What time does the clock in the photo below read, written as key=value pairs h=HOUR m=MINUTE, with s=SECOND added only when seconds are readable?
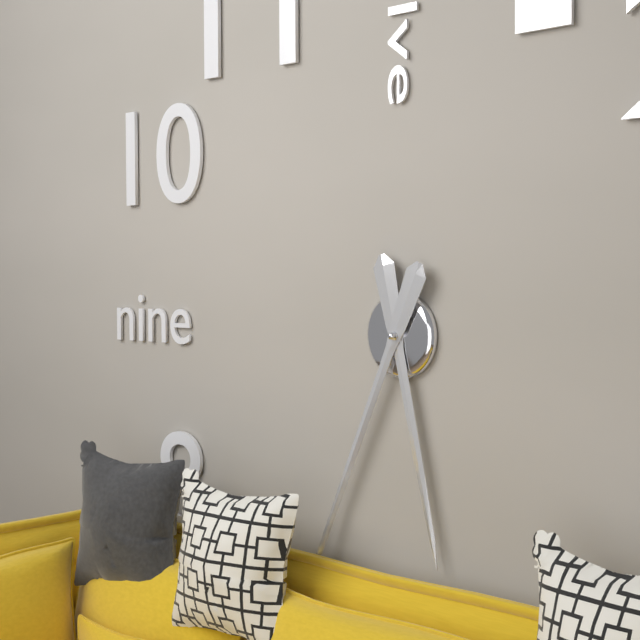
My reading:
h=5 m=34
